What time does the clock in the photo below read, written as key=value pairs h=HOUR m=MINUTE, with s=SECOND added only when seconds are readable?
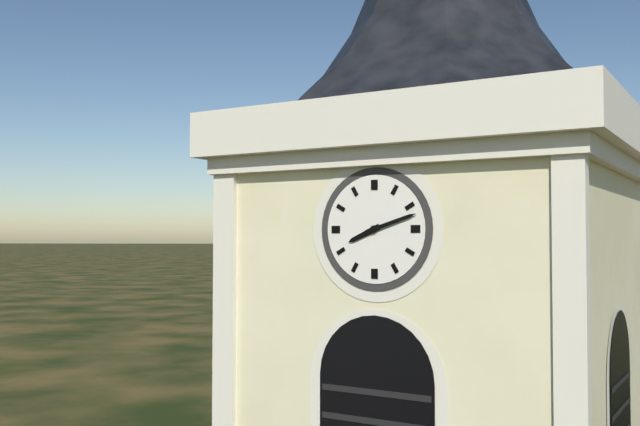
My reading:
h=8 m=12
